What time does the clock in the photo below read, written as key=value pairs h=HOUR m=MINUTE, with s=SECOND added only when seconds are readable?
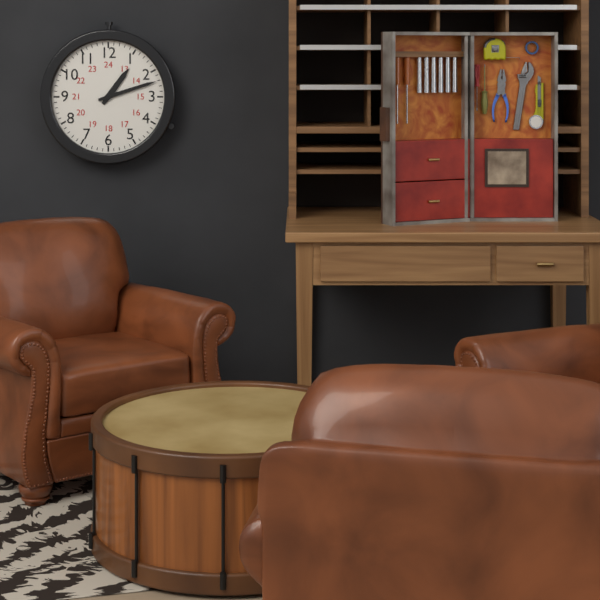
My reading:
h=1 m=12
